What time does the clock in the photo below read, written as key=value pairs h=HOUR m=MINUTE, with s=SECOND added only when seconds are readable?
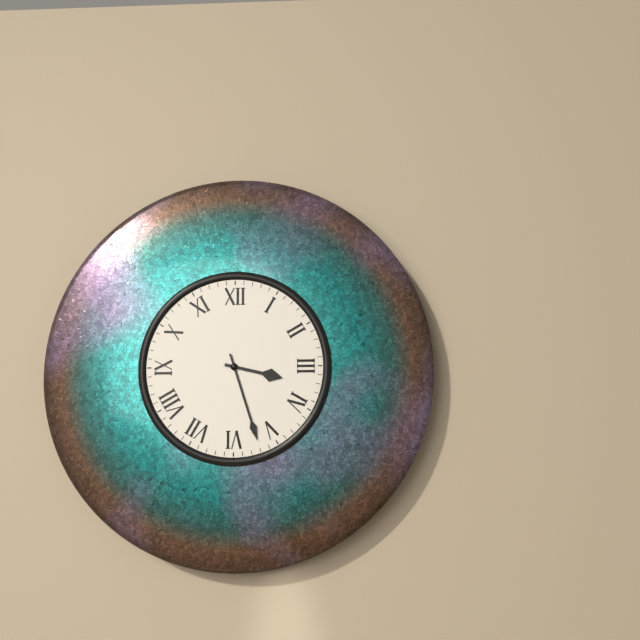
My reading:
h=3 m=27
